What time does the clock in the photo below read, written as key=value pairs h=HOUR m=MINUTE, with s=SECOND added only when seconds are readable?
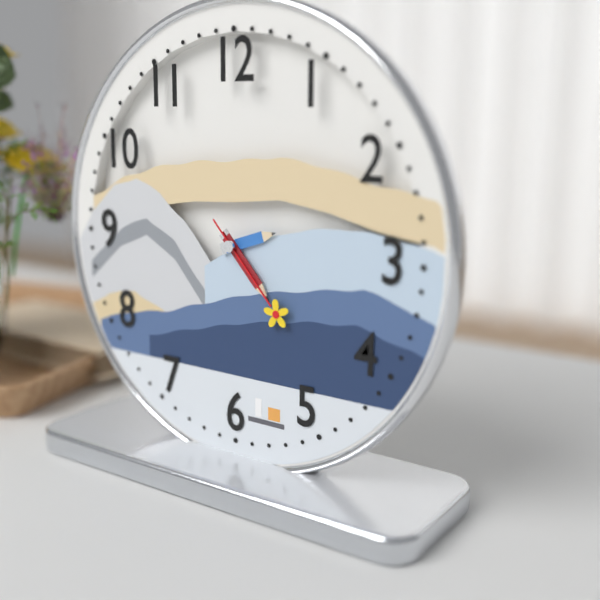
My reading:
h=2 m=23 s=23
